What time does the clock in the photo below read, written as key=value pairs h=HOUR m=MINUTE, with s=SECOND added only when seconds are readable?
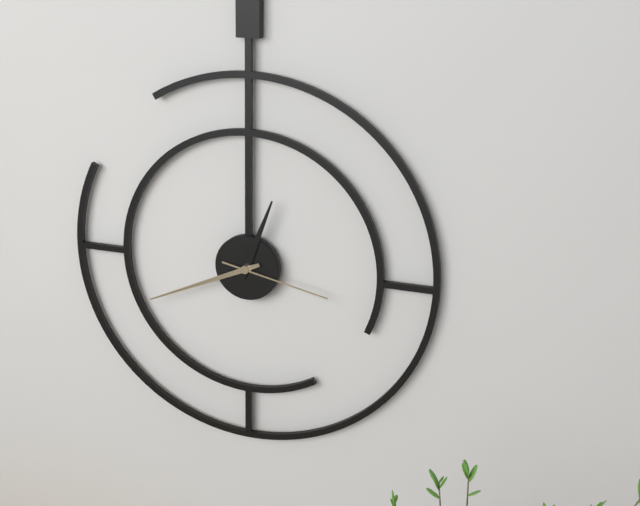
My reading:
h=12 m=41 s=17
